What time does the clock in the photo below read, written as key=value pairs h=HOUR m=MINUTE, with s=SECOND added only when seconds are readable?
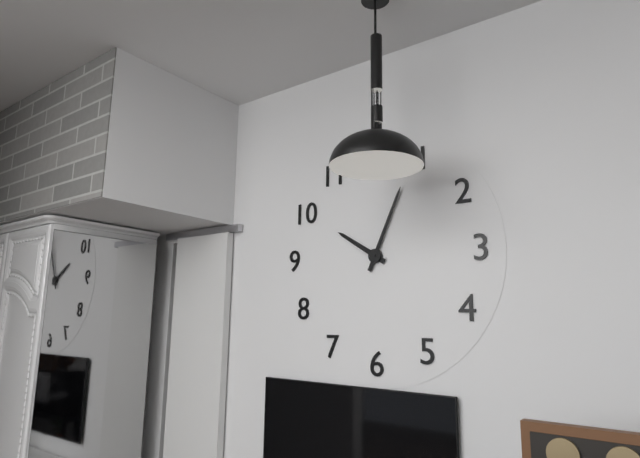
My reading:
h=10 m=4
